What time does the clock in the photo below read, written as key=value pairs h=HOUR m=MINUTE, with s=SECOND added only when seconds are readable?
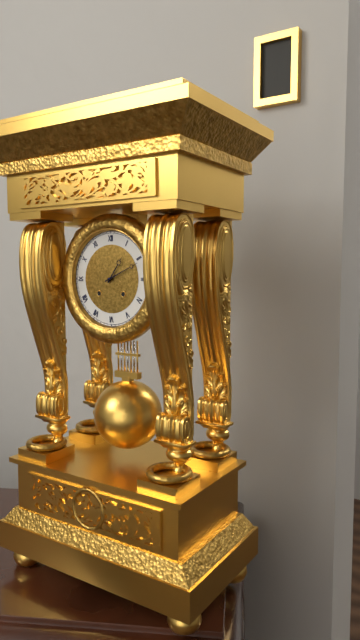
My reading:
h=1 m=11
